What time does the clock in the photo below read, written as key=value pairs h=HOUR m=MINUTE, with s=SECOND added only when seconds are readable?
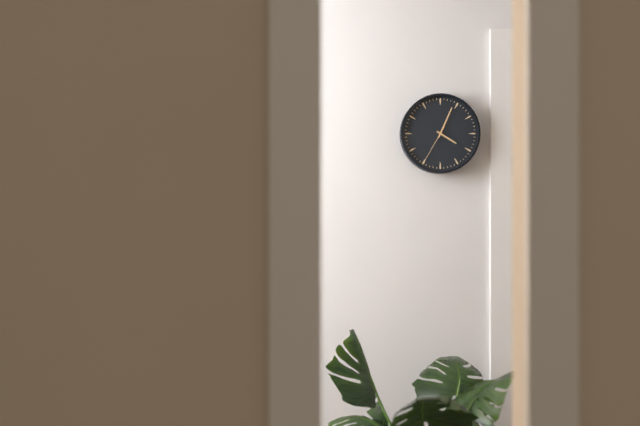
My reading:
h=4 m=4
